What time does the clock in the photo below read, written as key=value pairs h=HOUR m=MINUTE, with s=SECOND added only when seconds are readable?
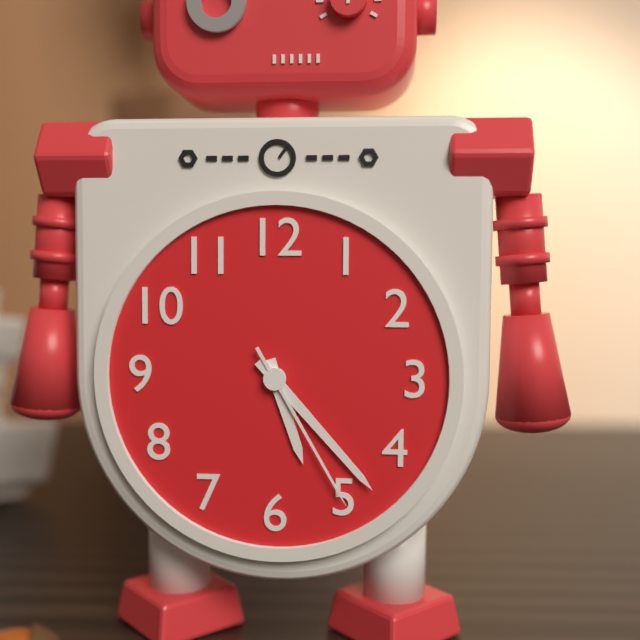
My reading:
h=5 m=23 s=25
